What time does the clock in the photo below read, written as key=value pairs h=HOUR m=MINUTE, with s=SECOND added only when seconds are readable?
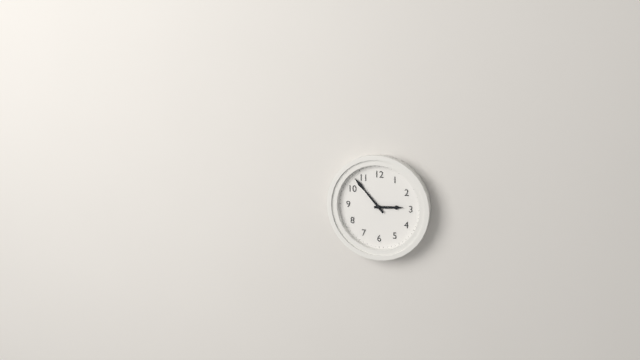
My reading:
h=2 m=53
